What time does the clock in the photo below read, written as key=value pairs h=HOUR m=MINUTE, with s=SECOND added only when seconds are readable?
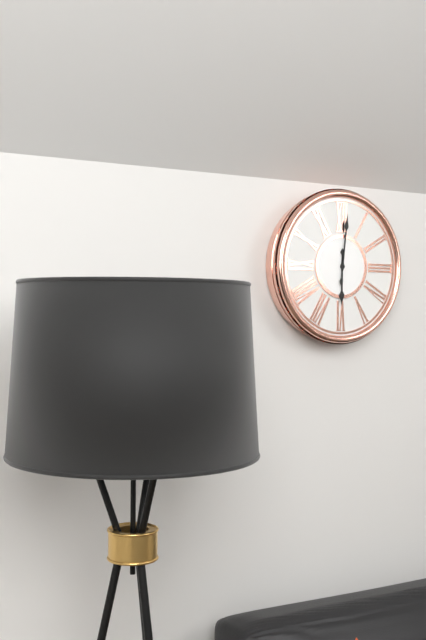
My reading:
h=6 m=1
